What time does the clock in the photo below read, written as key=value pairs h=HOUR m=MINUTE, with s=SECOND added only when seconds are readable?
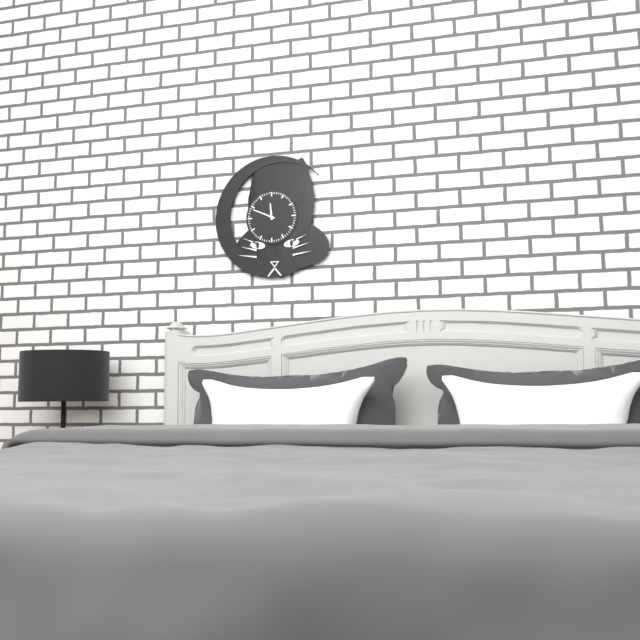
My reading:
h=11 m=49
